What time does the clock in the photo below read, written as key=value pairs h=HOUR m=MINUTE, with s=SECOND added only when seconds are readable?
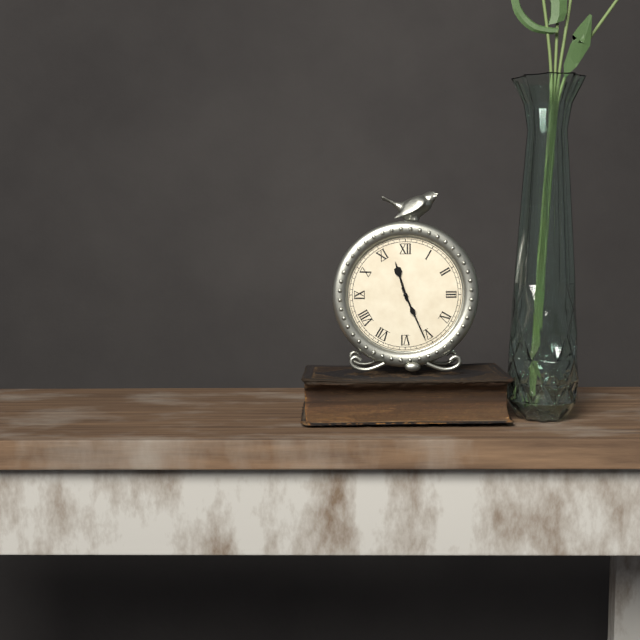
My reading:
h=11 m=26
